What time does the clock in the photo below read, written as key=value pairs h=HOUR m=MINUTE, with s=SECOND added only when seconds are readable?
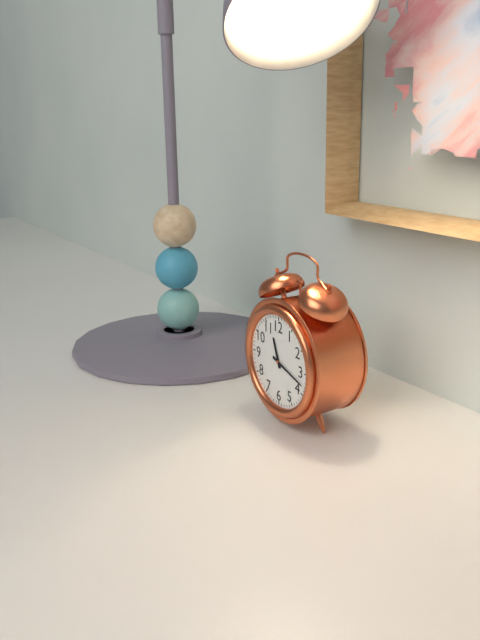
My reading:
h=11 m=18
